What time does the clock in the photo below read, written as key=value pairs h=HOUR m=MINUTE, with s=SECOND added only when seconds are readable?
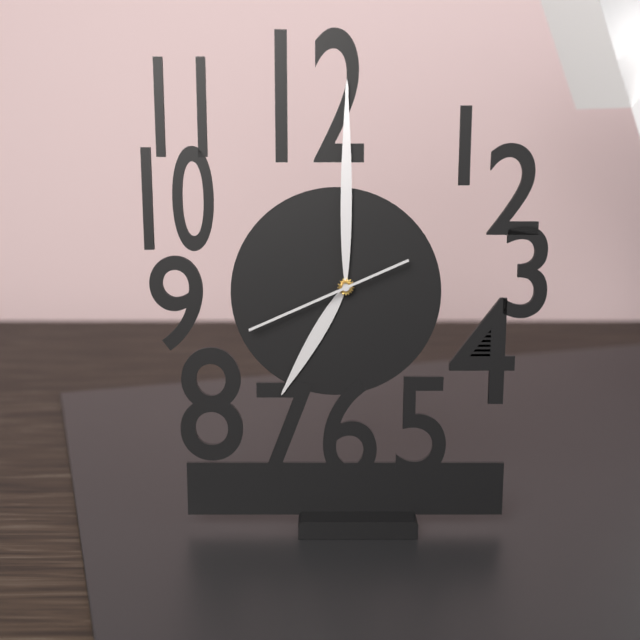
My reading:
h=7 m=0 s=41
